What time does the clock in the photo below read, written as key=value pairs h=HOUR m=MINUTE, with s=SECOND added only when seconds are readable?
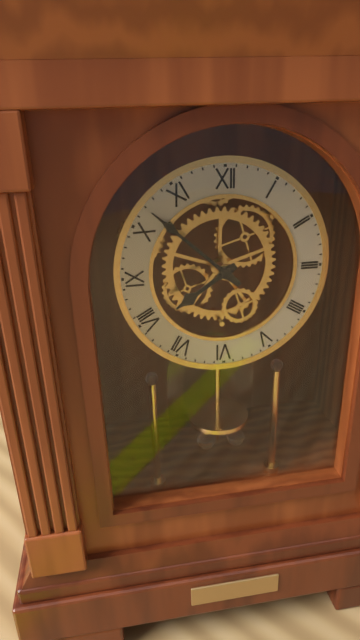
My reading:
h=7 m=52
